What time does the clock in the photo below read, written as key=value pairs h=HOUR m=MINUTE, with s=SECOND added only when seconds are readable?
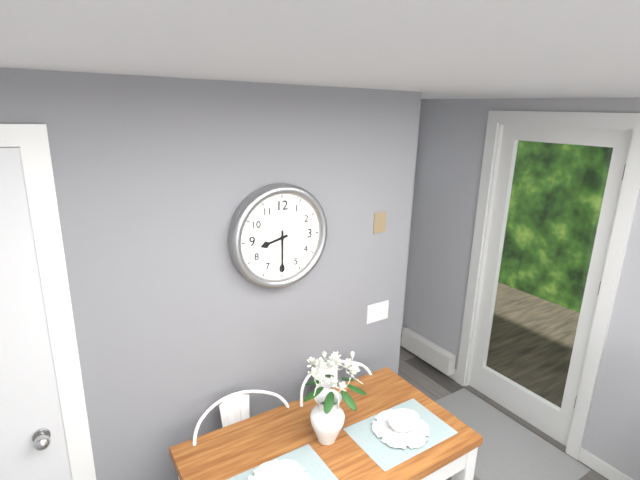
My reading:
h=8 m=30
